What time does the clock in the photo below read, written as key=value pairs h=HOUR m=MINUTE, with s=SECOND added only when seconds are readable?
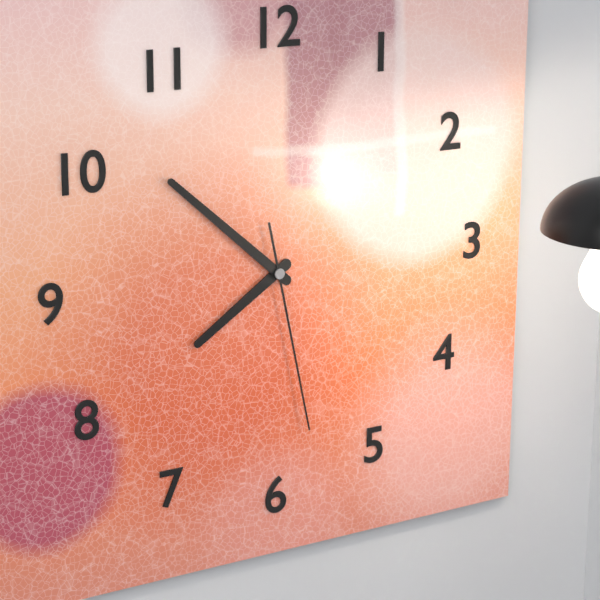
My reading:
h=7 m=52 s=28
